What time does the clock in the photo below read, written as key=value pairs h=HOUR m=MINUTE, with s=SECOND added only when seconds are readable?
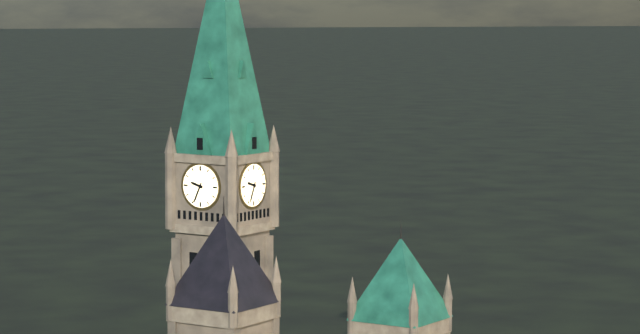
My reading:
h=9 m=34
